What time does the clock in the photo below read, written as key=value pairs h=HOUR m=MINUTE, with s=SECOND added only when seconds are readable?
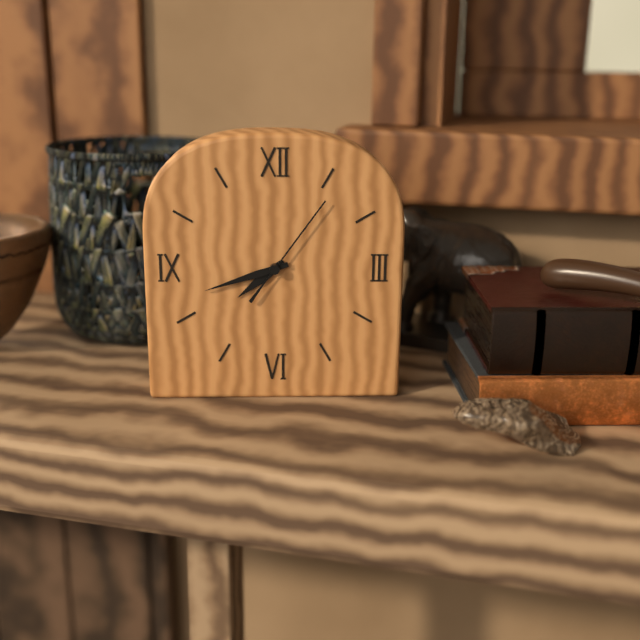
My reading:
h=7 m=42 s=6
